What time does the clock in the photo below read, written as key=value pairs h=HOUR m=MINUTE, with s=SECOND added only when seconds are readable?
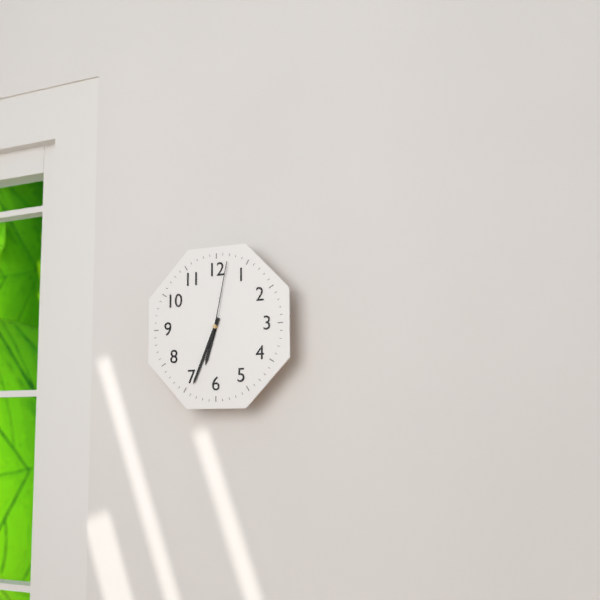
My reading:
h=6 m=34 s=2
